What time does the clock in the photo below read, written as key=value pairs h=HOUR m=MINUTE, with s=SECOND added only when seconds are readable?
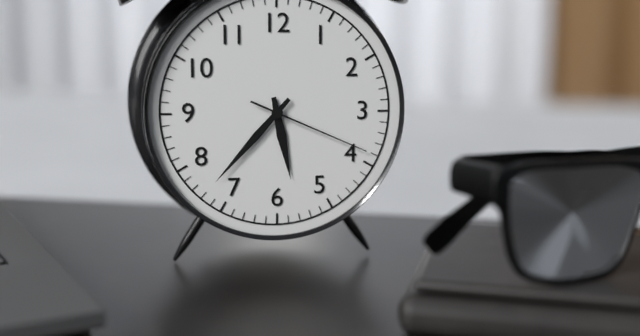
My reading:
h=5 m=37 s=19
